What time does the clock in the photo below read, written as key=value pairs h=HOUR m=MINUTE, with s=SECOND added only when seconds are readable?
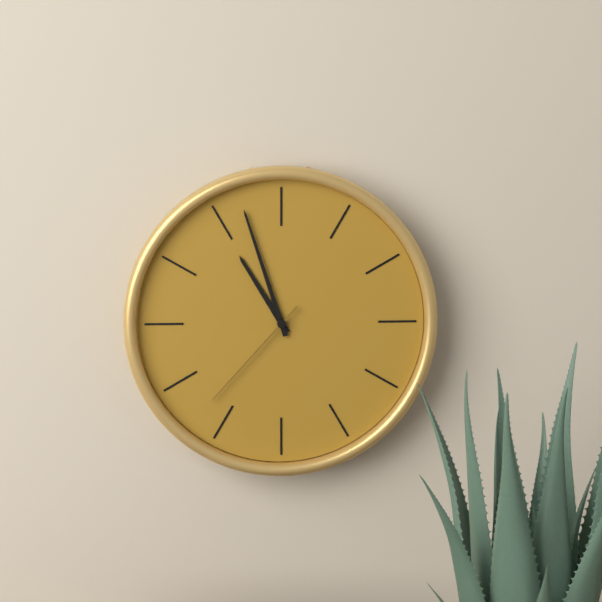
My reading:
h=10 m=57 s=37
